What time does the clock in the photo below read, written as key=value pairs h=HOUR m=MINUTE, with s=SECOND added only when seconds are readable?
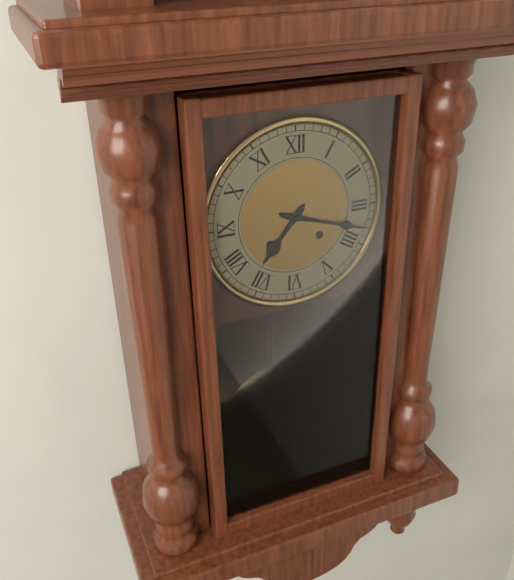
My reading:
h=7 m=18
